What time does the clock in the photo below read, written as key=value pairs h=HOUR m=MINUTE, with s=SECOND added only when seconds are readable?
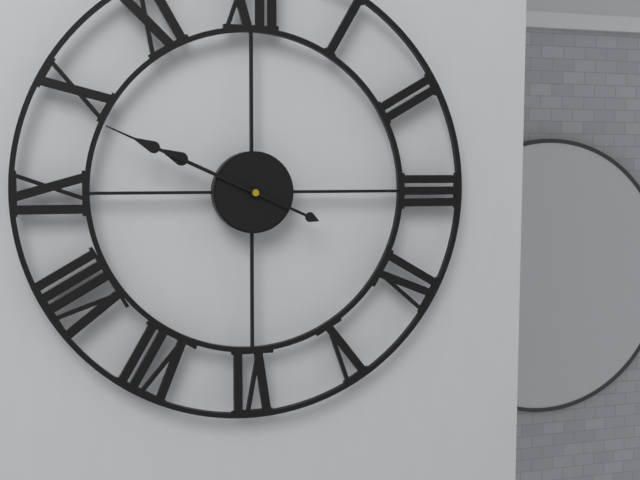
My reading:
h=9 m=49
